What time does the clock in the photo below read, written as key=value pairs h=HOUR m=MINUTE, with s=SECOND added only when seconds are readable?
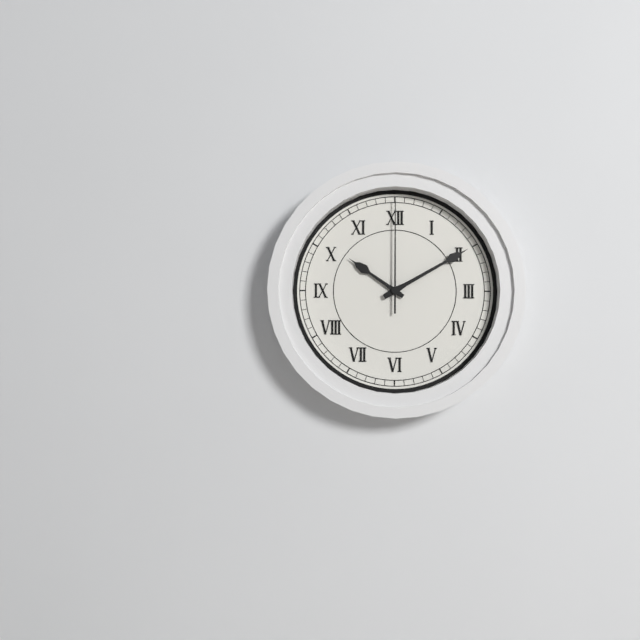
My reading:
h=10 m=10 s=0
